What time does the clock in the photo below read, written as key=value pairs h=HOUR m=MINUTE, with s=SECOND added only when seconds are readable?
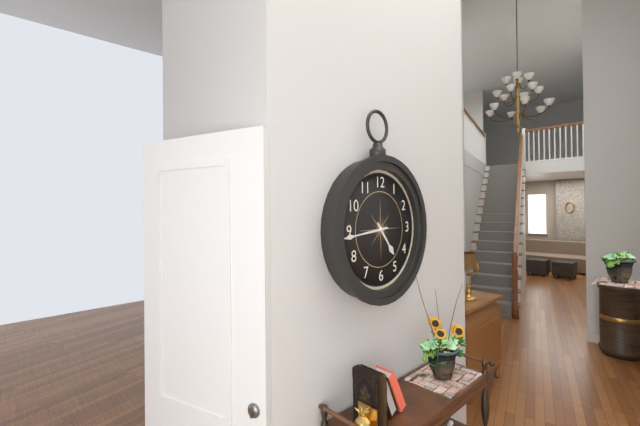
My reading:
h=4 m=44
